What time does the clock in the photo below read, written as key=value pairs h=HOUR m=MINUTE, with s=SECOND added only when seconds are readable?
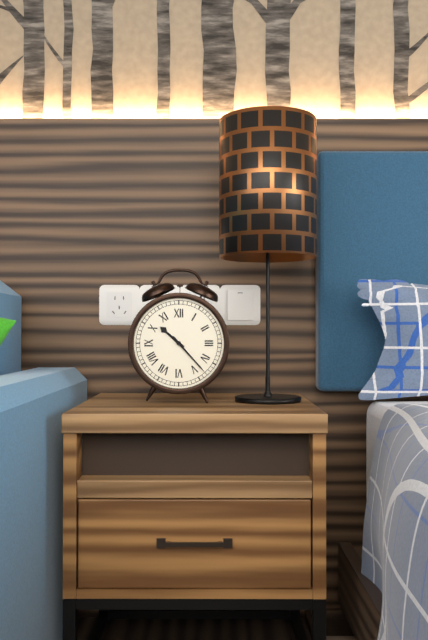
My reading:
h=10 m=23
